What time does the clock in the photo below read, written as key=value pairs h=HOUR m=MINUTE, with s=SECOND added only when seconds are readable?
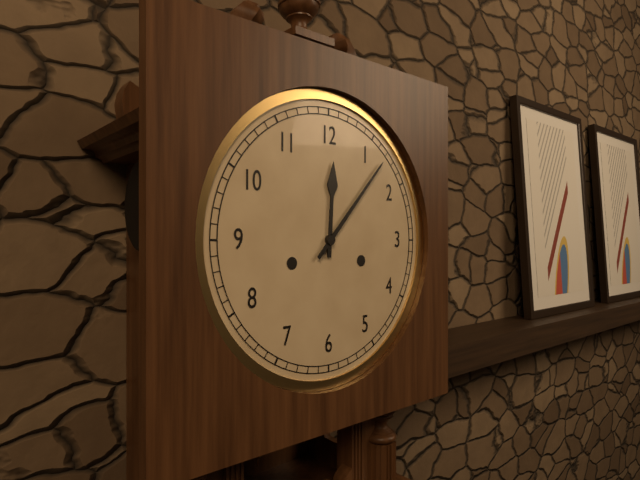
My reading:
h=12 m=7
